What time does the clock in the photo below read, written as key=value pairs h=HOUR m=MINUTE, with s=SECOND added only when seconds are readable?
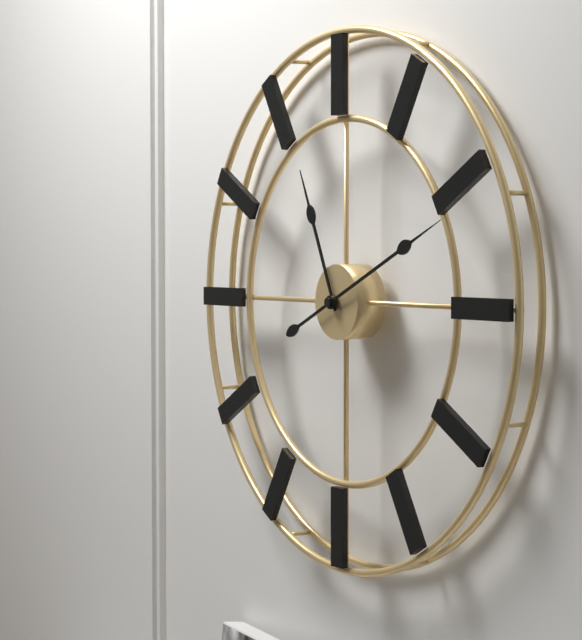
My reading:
h=11 m=11
